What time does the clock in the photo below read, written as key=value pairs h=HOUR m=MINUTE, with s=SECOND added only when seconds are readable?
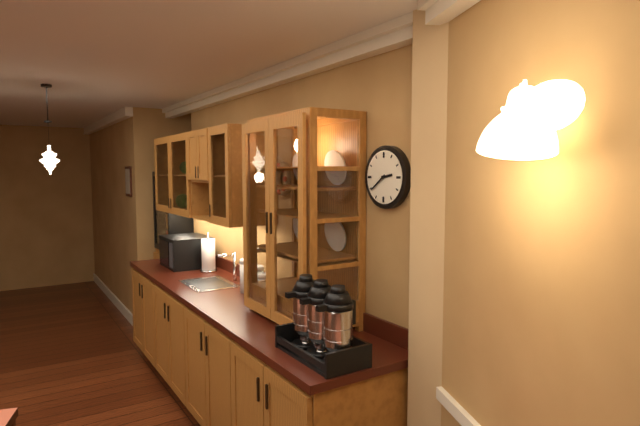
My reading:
h=2 m=39
